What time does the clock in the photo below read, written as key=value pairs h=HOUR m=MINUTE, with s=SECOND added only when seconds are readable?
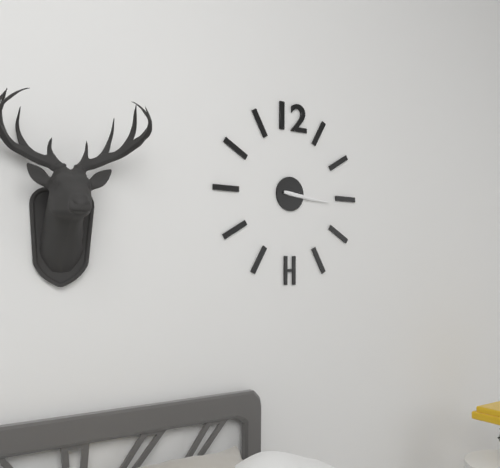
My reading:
h=3 m=16
